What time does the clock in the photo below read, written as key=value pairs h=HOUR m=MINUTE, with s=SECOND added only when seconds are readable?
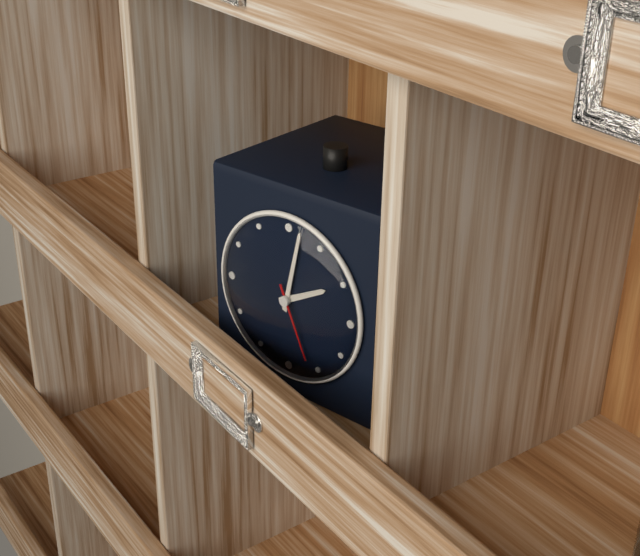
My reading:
h=2 m=2 s=26
